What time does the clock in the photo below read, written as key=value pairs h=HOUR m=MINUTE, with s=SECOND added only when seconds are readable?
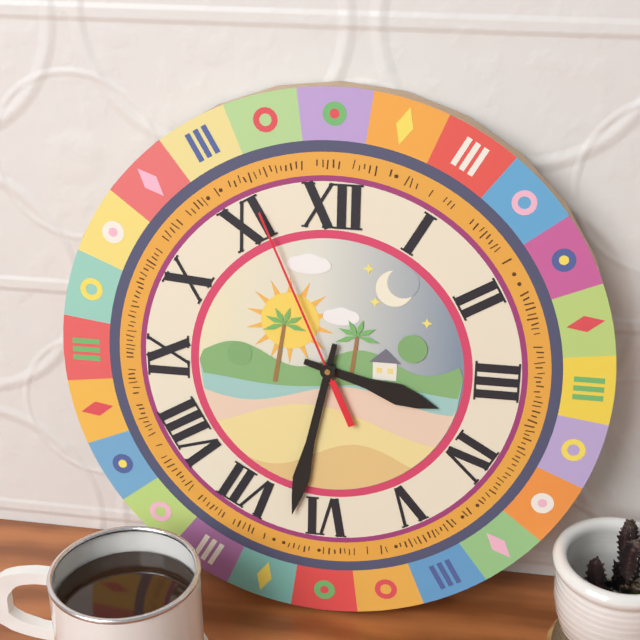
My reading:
h=3 m=32 s=56
